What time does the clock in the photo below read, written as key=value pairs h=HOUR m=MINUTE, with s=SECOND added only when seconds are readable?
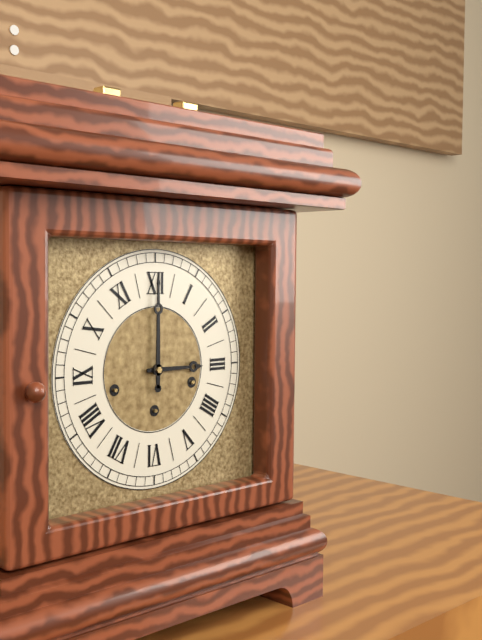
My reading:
h=3 m=0
